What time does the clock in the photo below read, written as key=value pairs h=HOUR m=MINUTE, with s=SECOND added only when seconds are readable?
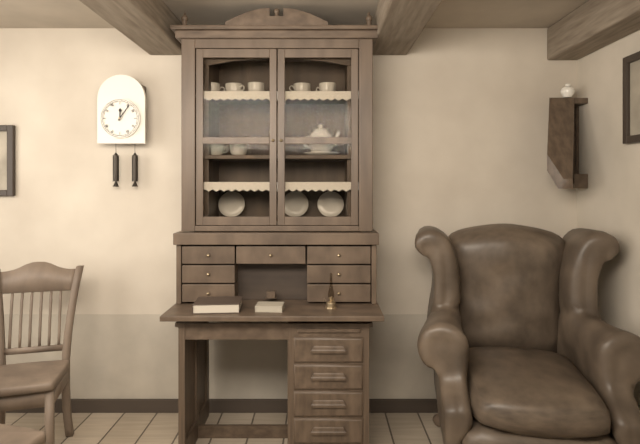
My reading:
h=12 m=6
